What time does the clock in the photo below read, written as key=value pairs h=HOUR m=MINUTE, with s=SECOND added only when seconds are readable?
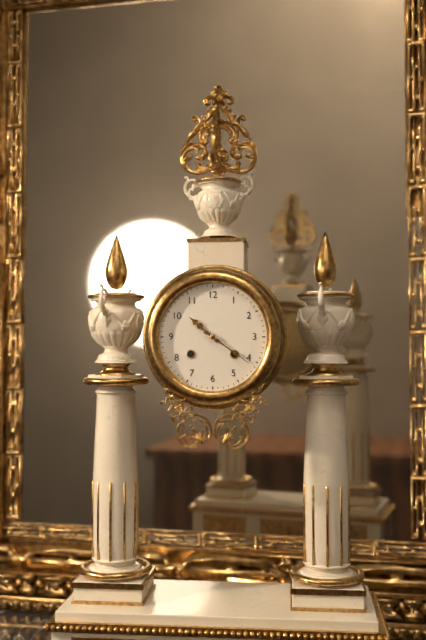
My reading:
h=10 m=21
